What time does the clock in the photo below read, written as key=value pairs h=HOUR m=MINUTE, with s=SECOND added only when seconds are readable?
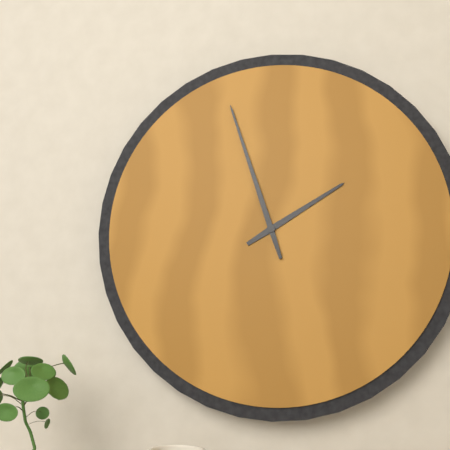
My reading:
h=1 m=57
